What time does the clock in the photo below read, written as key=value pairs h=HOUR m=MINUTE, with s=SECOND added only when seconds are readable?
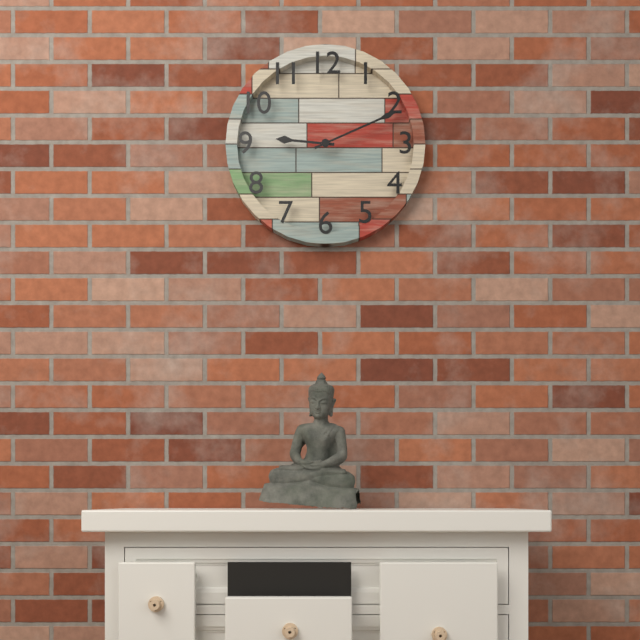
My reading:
h=9 m=11
